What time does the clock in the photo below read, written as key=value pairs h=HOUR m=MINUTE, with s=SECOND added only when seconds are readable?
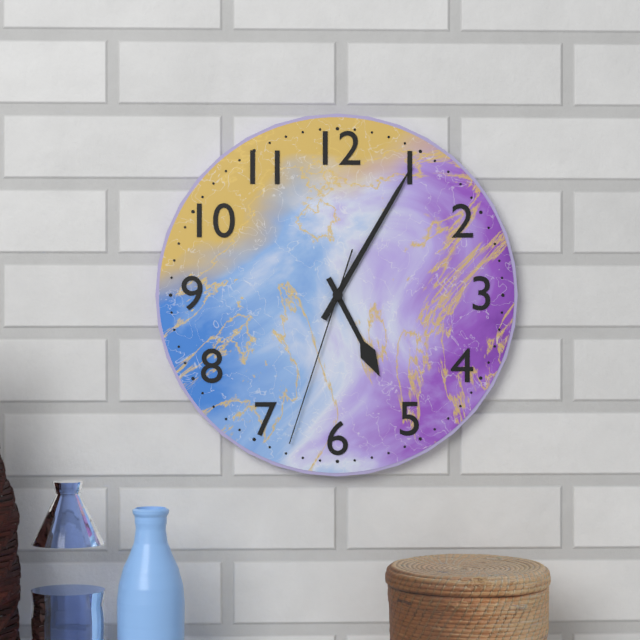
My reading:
h=5 m=5 s=33
